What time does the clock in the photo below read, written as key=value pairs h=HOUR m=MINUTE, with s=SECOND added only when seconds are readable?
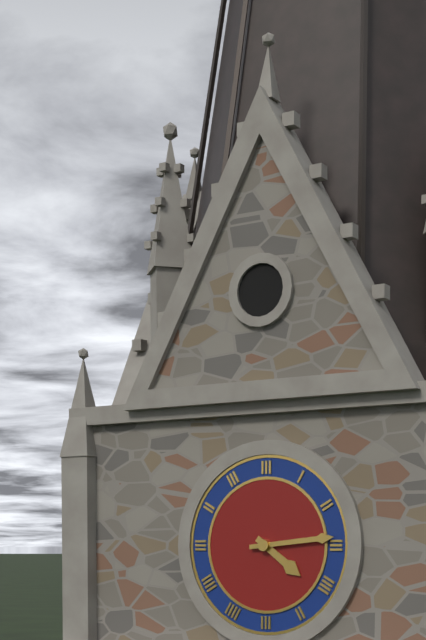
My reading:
h=4 m=14
